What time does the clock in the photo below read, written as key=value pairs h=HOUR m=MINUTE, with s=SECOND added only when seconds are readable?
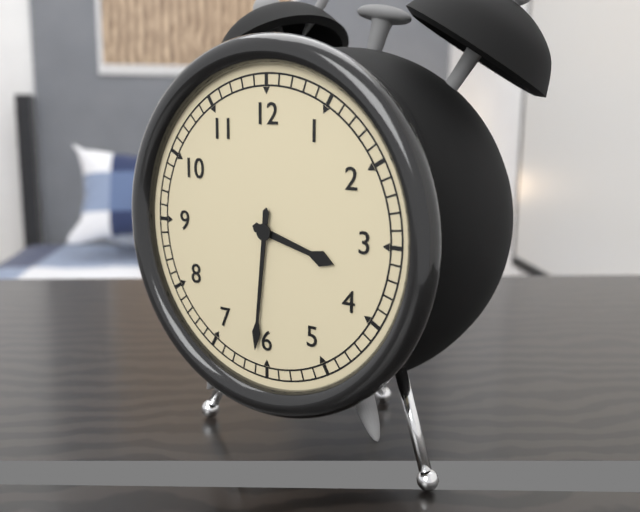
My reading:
h=3 m=31
